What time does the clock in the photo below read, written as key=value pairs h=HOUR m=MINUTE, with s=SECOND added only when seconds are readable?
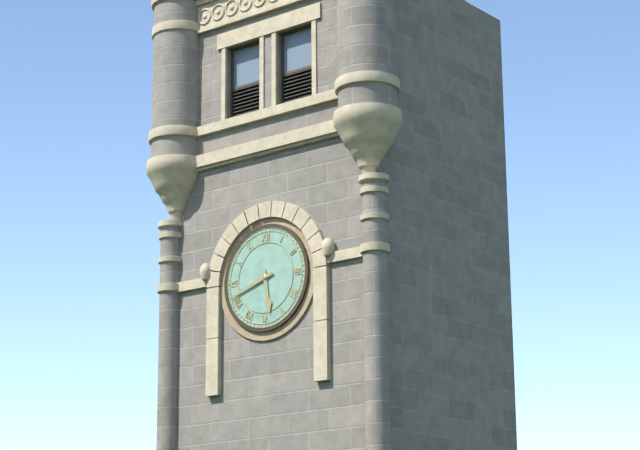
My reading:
h=5 m=42
